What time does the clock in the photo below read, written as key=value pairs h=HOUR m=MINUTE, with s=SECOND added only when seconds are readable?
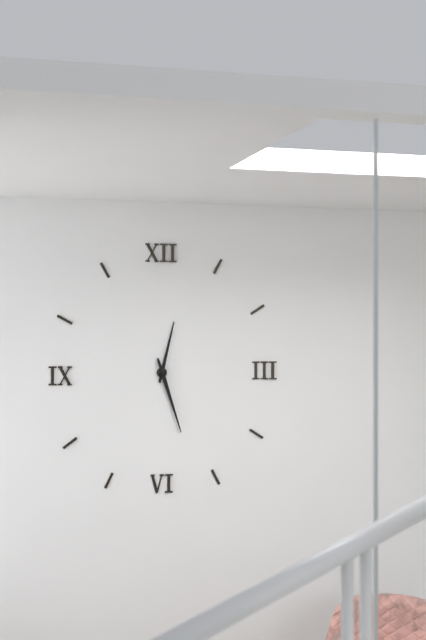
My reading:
h=12 m=27
